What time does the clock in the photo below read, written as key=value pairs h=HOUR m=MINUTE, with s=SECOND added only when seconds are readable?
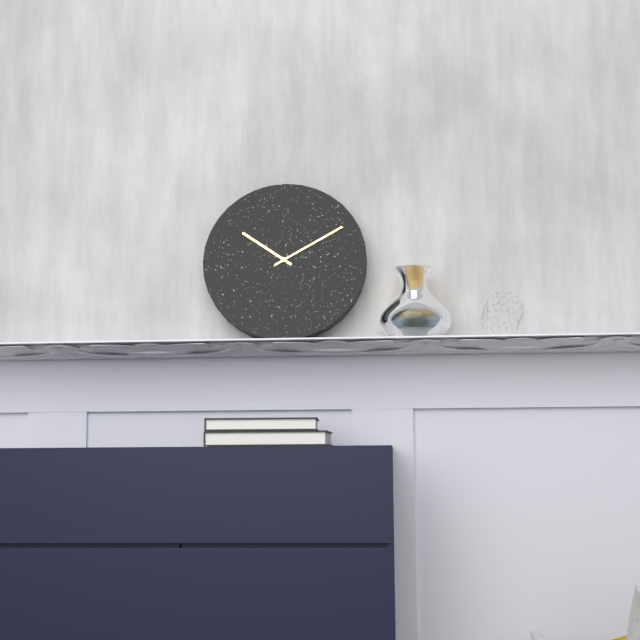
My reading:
h=10 m=10
